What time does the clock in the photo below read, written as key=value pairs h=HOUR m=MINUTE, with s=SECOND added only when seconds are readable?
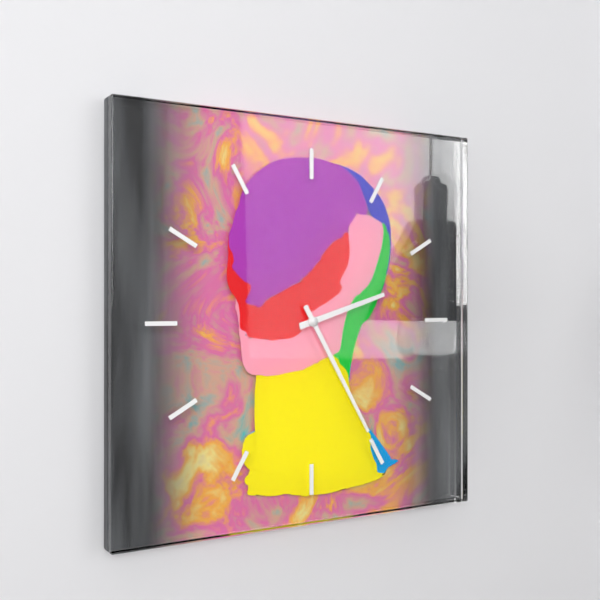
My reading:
h=2 m=25
